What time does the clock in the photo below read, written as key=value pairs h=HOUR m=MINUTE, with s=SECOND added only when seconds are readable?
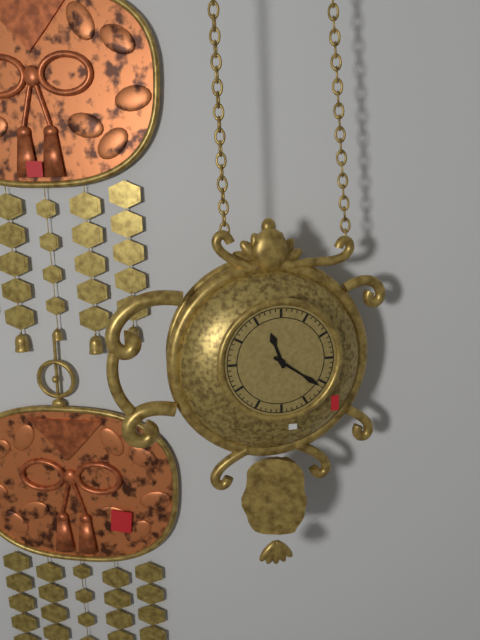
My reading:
h=11 m=21
